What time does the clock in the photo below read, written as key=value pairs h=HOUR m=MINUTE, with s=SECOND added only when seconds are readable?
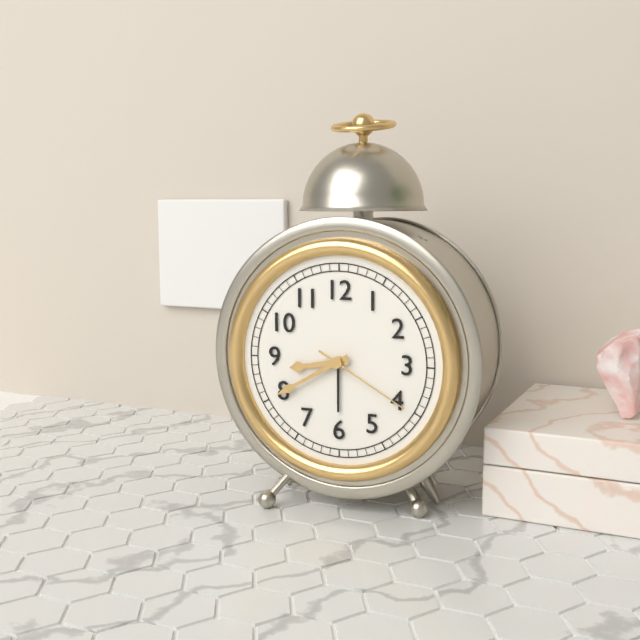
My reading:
h=8 m=40 s=20
